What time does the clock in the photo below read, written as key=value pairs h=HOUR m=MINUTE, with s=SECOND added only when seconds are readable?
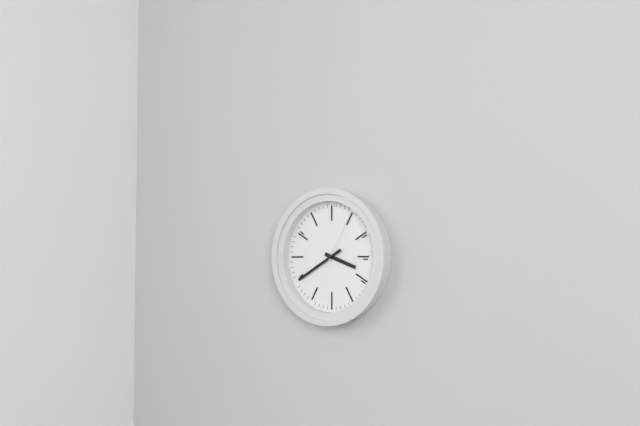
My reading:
h=3 m=40 s=5
